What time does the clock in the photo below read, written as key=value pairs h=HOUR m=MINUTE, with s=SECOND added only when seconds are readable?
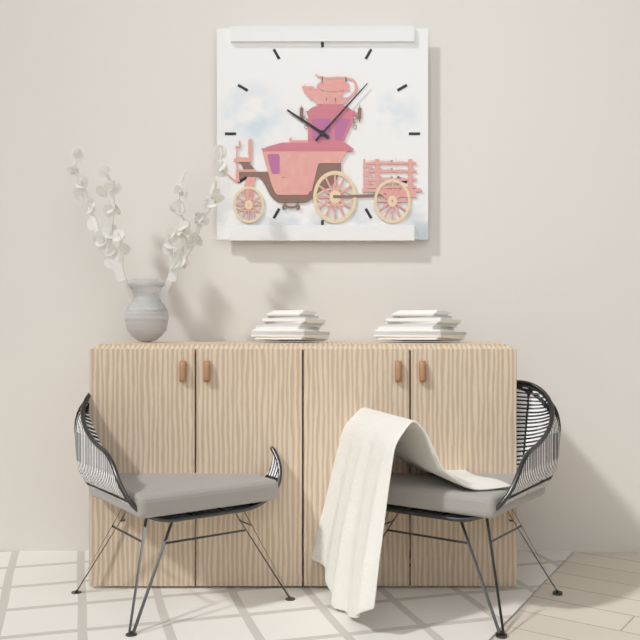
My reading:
h=10 m=7
